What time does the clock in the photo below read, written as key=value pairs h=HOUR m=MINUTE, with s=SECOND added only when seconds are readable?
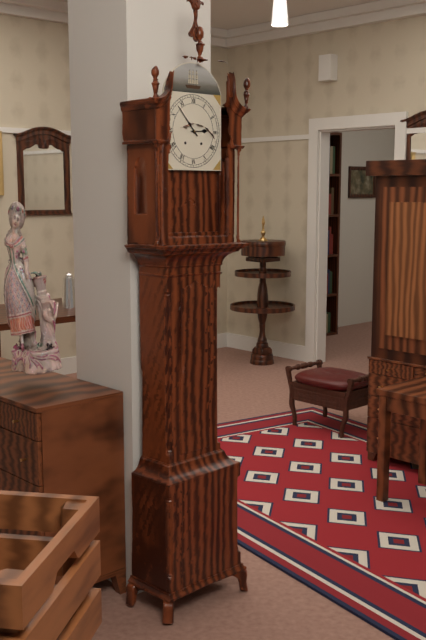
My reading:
h=2 m=53
